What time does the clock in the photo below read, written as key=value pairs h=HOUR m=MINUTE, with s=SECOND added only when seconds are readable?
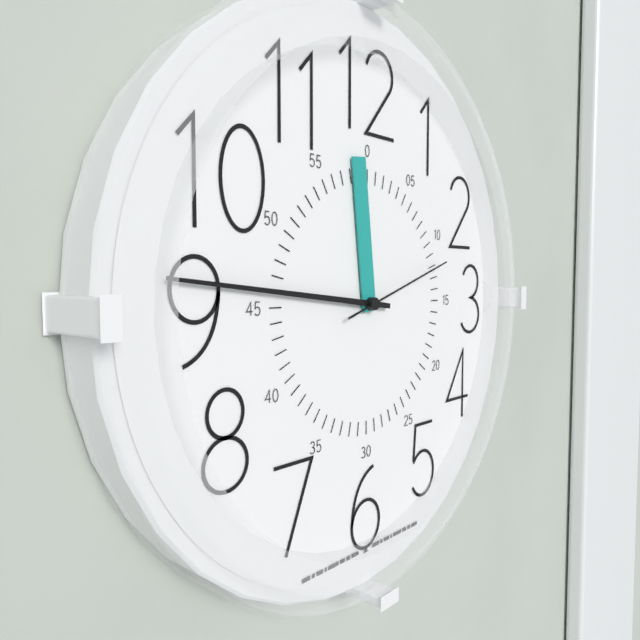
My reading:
h=11 m=46 s=12
